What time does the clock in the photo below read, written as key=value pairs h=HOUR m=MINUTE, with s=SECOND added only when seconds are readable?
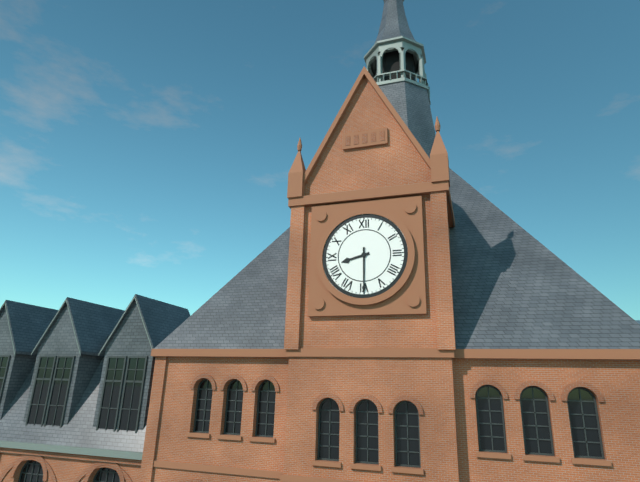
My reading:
h=8 m=30
